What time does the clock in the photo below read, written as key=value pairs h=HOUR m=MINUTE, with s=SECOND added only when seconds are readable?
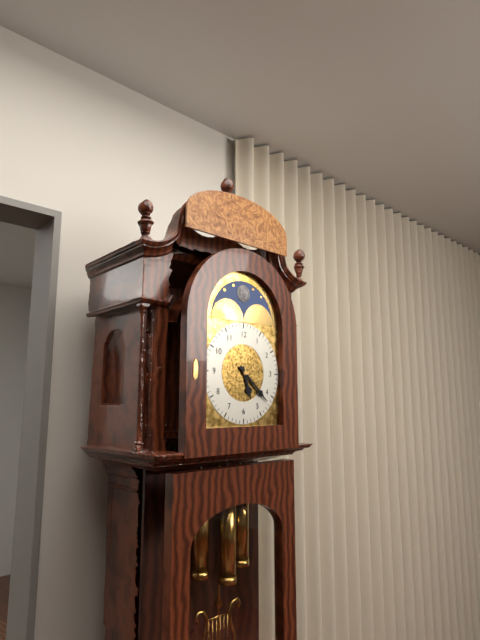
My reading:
h=5 m=22
